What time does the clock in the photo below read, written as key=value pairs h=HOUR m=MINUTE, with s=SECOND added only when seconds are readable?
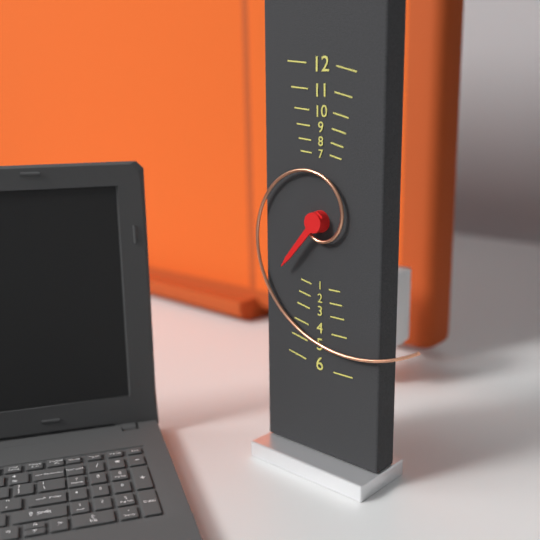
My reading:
h=7 m=22
